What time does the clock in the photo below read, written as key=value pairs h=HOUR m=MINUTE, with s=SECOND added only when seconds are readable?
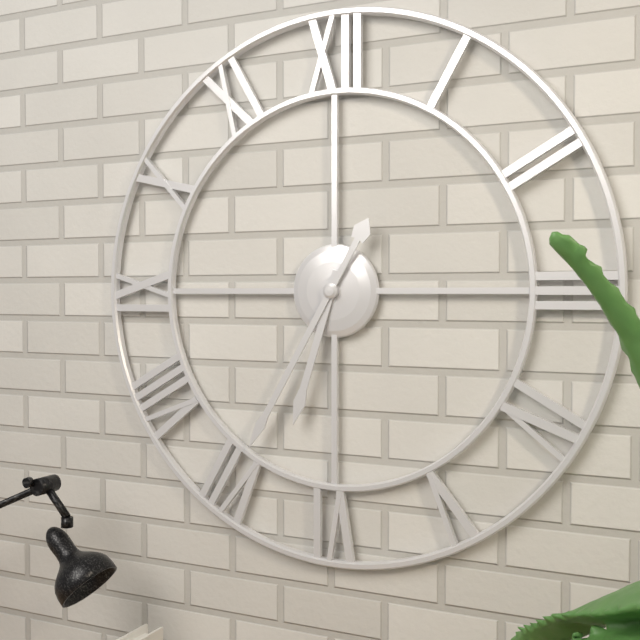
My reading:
h=6 m=35
